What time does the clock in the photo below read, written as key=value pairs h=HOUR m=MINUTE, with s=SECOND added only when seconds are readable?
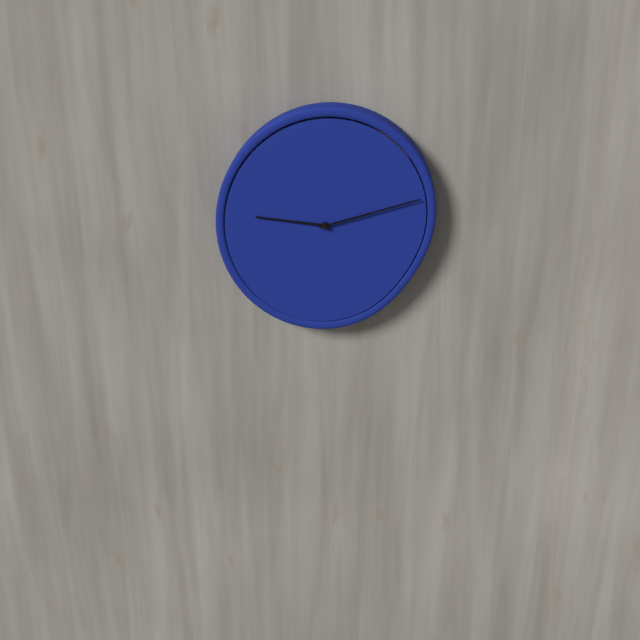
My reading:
h=9 m=12
